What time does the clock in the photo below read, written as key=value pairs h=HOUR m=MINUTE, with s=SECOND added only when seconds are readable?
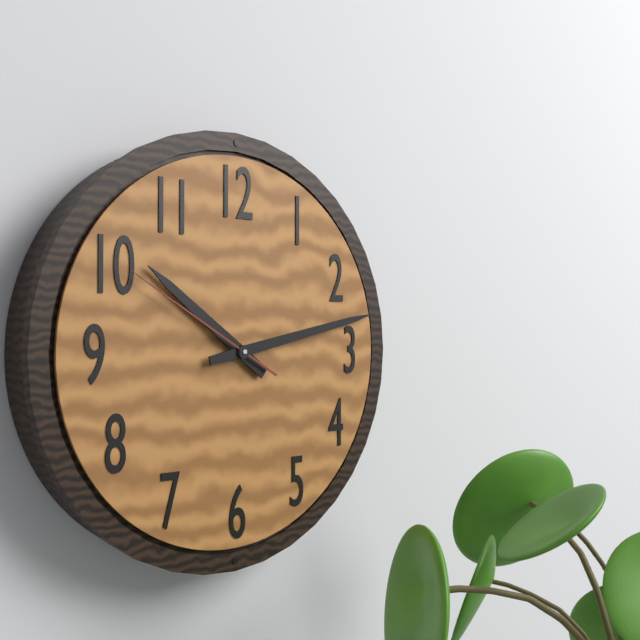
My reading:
h=10 m=13 s=50
